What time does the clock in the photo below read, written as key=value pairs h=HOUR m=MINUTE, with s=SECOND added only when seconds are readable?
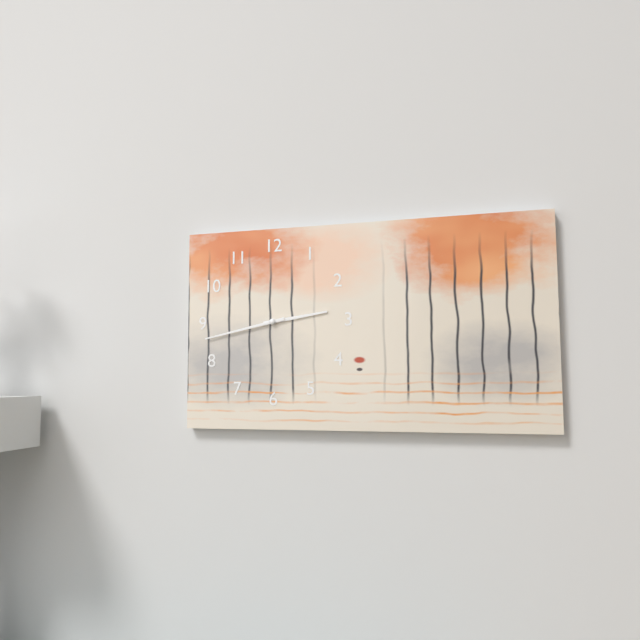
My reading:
h=2 m=43
